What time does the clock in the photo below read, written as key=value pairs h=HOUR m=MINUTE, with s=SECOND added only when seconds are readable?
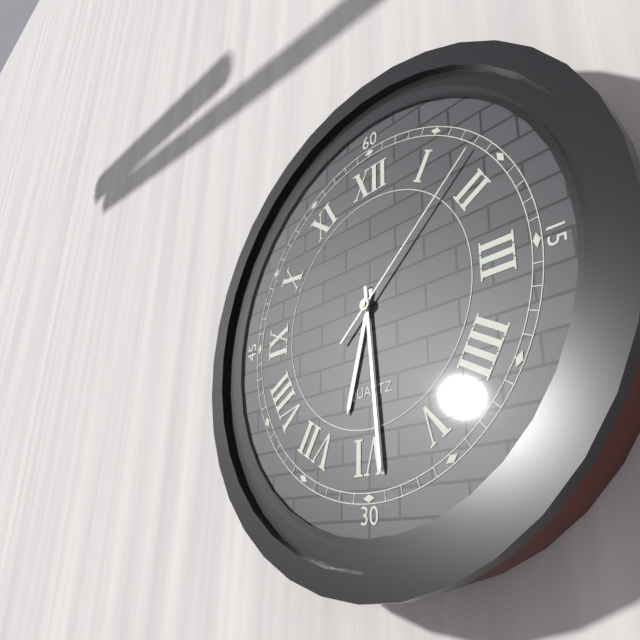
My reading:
h=6 m=29 s=8
